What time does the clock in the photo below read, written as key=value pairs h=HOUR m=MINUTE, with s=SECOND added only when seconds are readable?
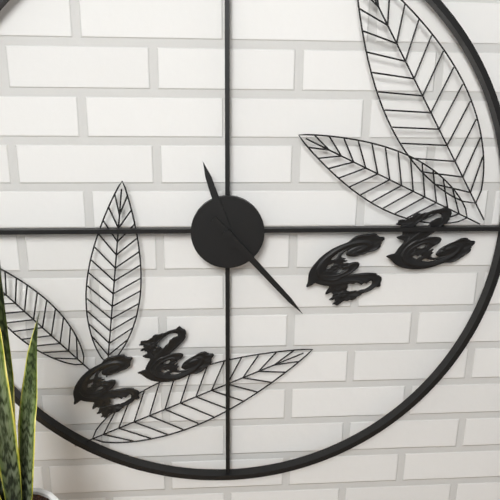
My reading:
h=11 m=23
